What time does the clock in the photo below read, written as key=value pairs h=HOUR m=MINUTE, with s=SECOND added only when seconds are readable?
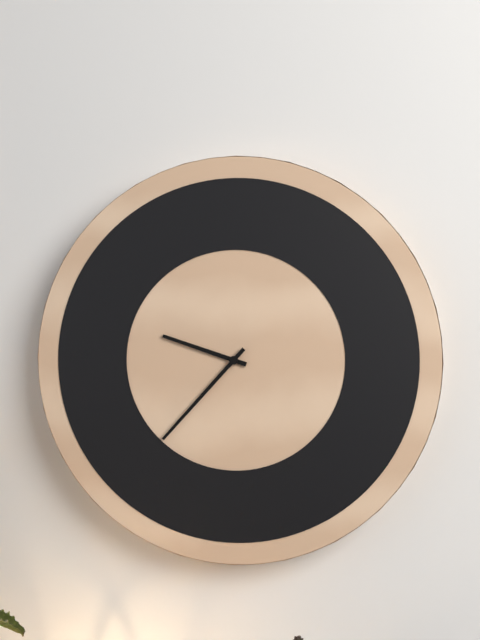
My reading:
h=9 m=37
